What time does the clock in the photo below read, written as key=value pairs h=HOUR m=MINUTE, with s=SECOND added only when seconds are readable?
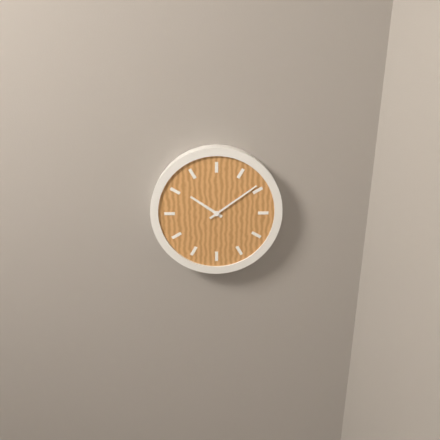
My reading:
h=10 m=9
